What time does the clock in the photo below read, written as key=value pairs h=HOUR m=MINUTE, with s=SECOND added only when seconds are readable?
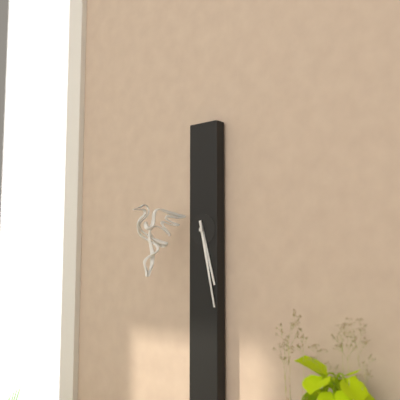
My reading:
h=5 m=28
